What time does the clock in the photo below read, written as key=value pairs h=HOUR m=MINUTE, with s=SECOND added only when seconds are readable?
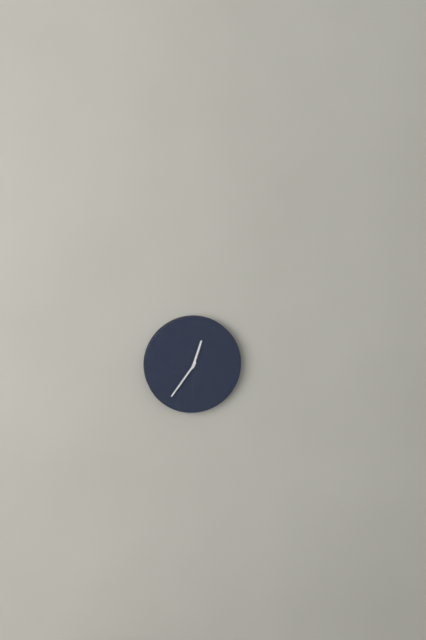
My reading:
h=12 m=36
